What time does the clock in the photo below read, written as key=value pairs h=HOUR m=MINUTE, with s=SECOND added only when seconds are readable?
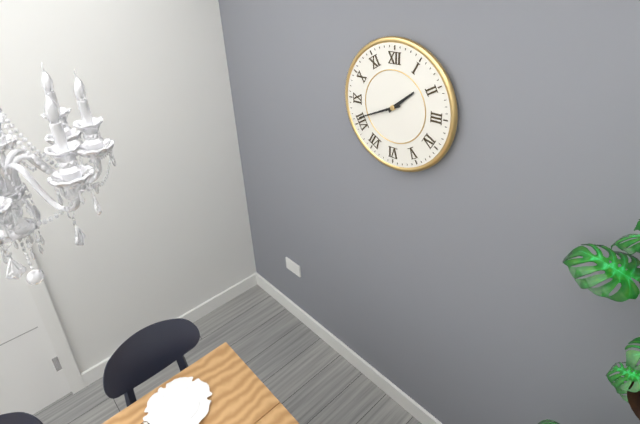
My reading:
h=1 m=41
